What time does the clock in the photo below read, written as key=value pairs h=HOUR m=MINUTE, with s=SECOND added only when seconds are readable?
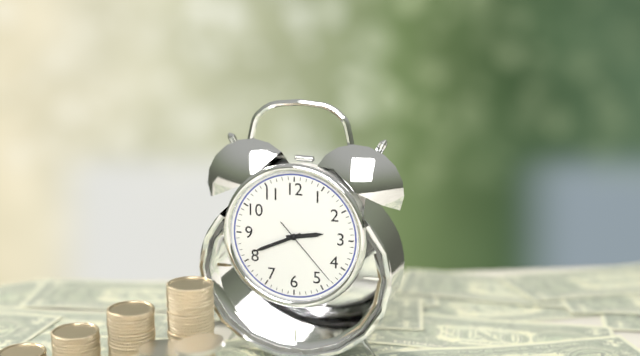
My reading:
h=2 m=41 s=23
